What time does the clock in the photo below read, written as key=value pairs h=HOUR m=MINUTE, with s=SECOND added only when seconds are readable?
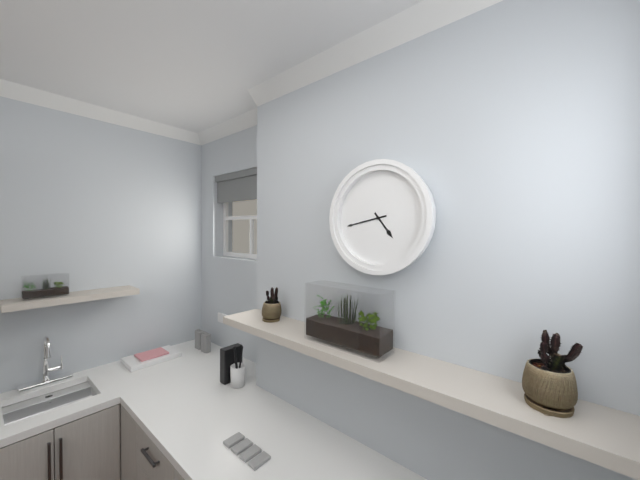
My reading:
h=4 m=43
